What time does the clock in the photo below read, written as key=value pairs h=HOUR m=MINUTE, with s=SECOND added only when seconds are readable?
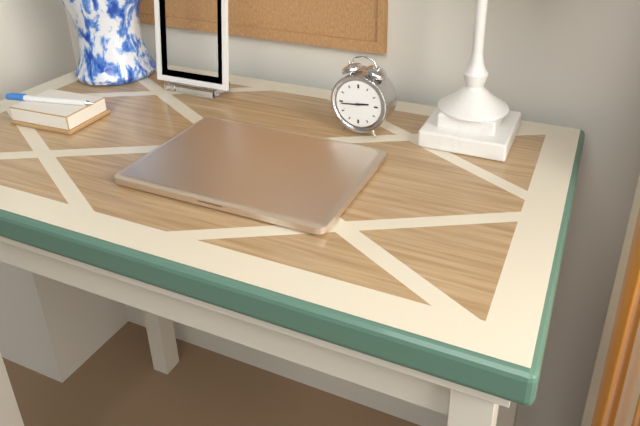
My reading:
h=2 m=44
